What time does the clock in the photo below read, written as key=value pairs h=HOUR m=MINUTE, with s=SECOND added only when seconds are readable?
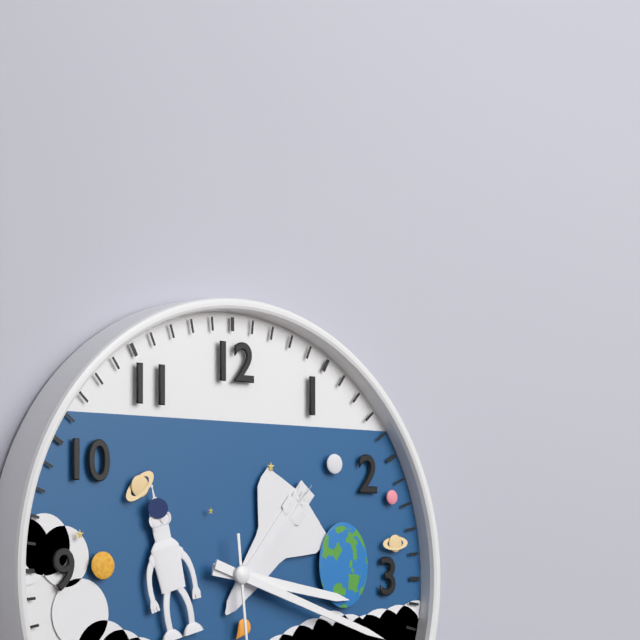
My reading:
h=3 m=18
